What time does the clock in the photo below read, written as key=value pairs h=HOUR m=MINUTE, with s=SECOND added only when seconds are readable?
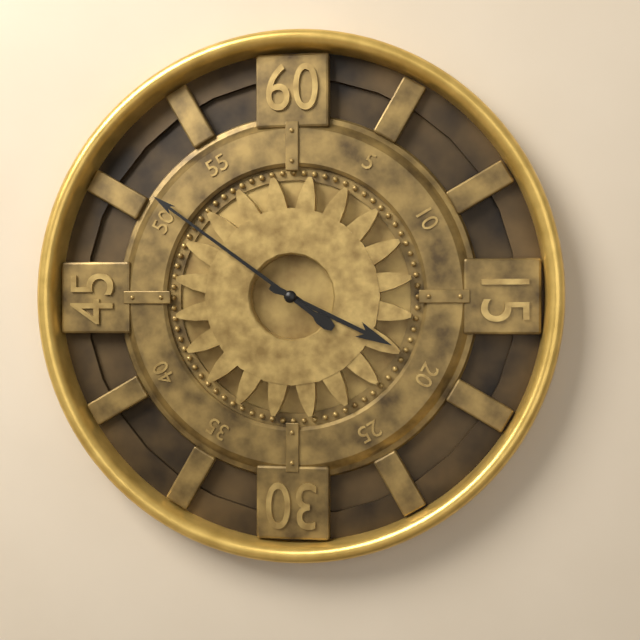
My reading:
h=3 m=51
